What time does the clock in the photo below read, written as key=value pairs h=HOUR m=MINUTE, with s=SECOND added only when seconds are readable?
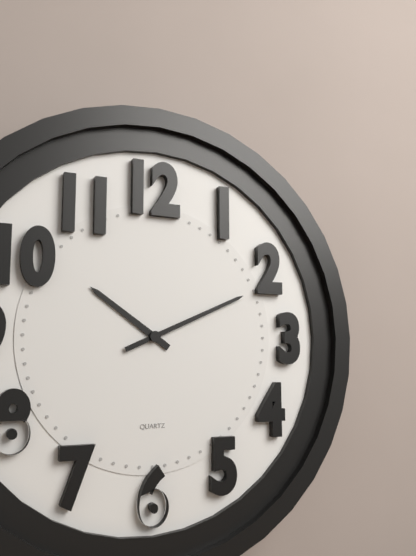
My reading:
h=10 m=11
